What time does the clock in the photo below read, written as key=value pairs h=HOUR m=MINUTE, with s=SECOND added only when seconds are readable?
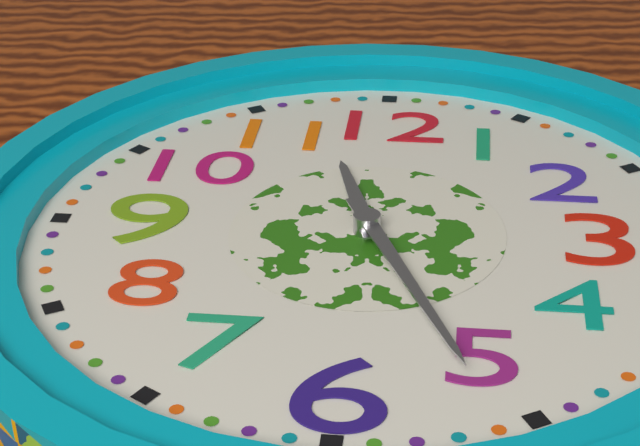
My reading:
h=11 m=26
